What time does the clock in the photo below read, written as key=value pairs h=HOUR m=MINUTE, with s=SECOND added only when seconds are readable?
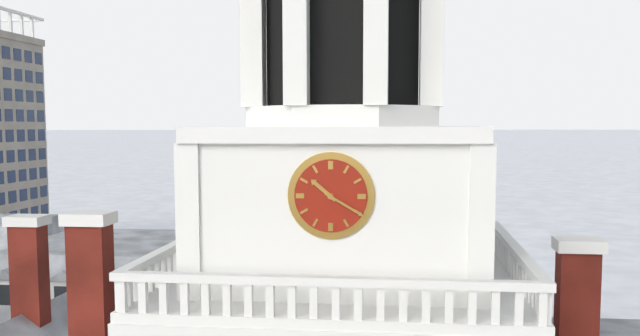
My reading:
h=10 m=20
